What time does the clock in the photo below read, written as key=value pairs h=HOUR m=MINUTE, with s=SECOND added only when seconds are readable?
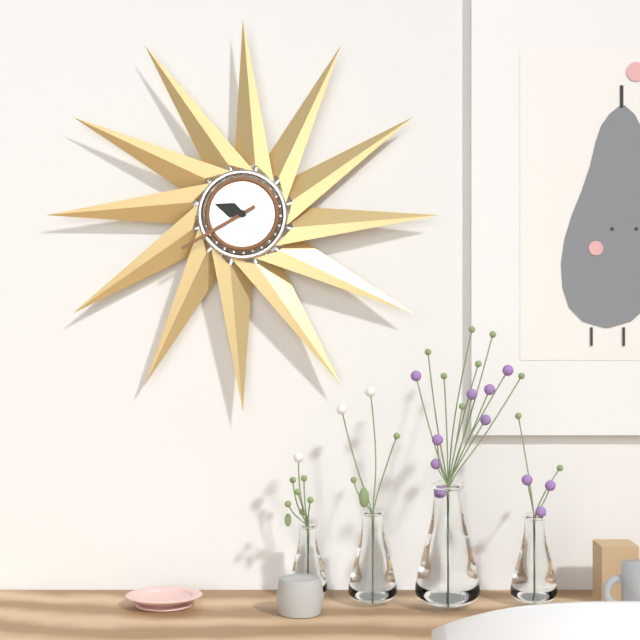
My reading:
h=9 m=40
